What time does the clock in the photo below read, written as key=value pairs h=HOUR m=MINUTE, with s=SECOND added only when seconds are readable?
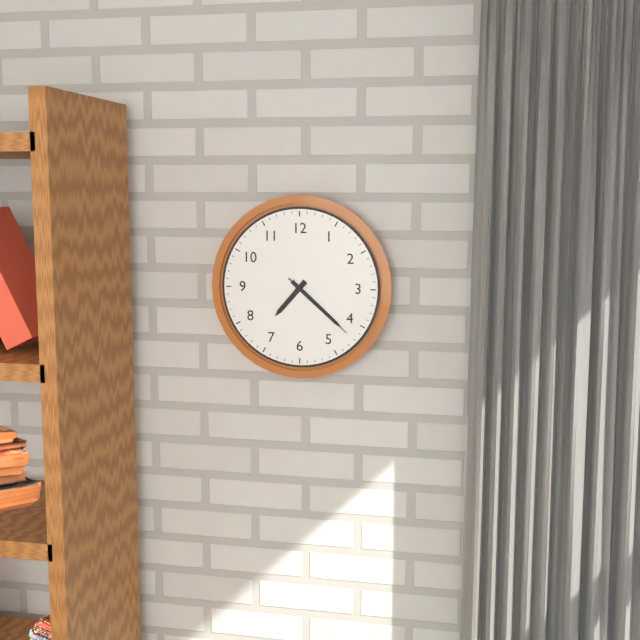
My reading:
h=7 m=22 s=22
